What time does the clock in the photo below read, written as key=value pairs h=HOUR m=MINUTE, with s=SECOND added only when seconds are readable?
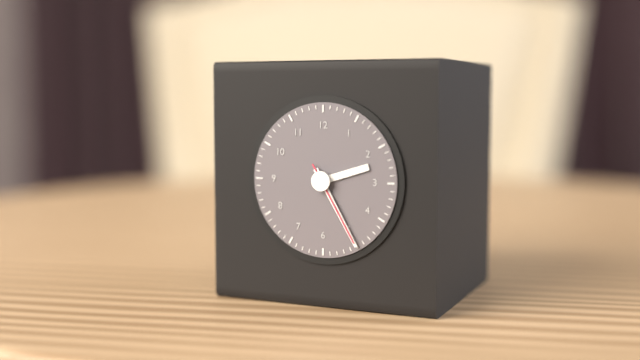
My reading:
h=2 m=25 s=25
